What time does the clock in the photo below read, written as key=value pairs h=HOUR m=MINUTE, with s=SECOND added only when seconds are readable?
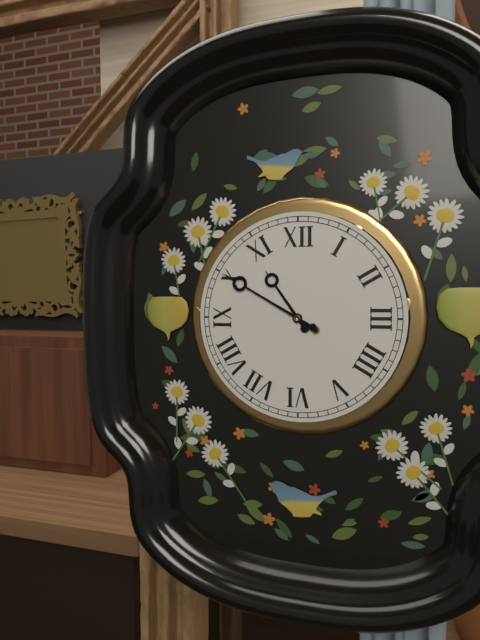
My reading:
h=10 m=50
